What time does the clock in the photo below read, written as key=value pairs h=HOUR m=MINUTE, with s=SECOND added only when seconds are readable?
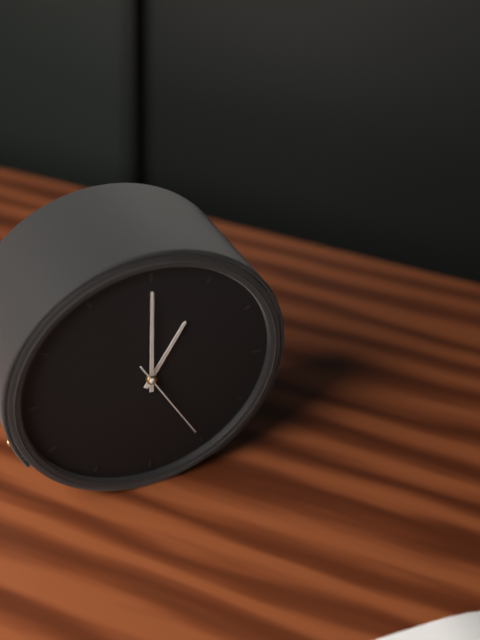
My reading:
h=1 m=0 s=25
